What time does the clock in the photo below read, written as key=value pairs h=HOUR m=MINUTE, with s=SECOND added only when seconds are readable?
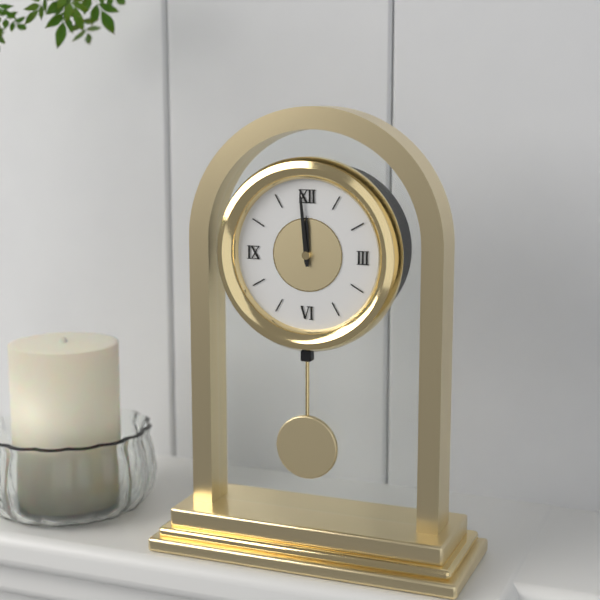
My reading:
h=11 m=59
